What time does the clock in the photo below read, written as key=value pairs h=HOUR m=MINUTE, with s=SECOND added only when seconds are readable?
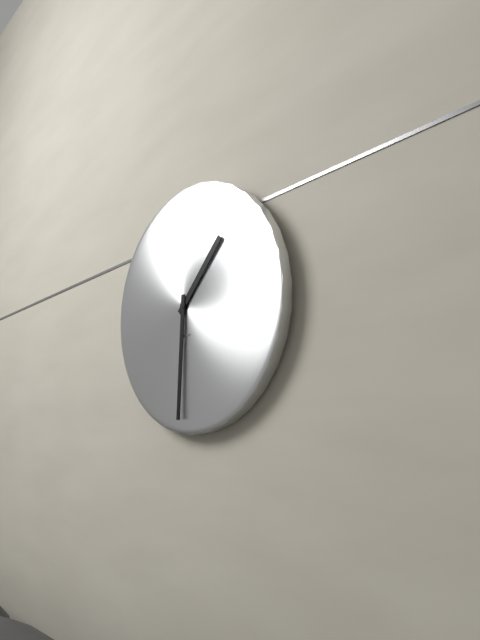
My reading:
h=1 m=31
